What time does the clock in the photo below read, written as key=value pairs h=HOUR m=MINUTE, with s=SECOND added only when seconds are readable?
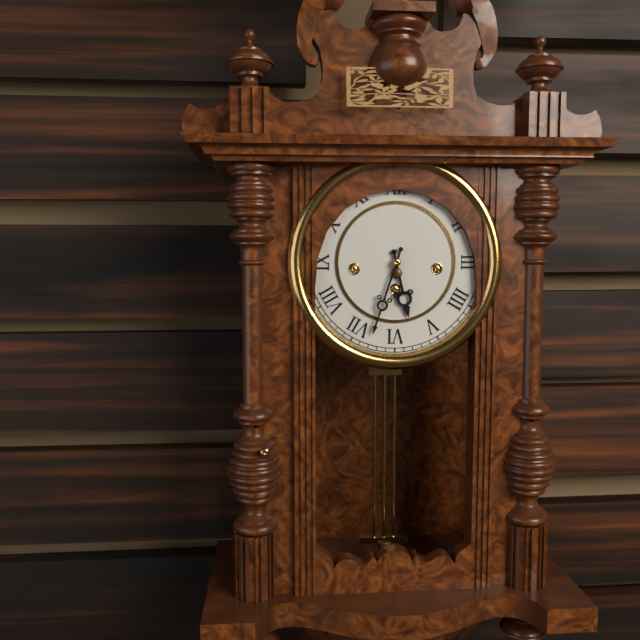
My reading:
h=5 m=33
